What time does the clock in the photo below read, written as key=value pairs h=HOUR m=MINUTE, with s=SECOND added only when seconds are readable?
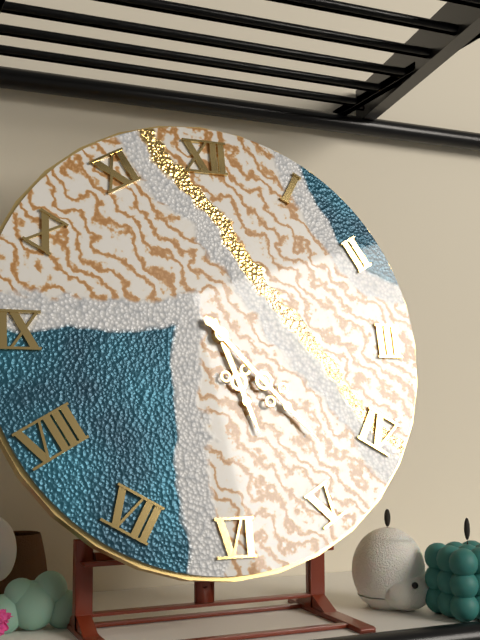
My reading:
h=5 m=23
